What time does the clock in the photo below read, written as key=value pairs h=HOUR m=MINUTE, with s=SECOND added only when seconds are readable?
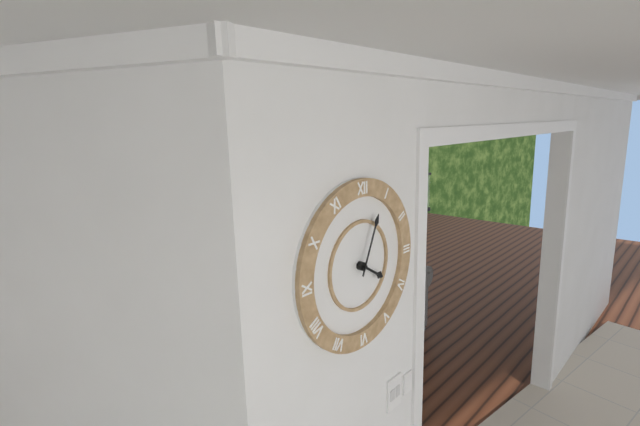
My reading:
h=4 m=4
